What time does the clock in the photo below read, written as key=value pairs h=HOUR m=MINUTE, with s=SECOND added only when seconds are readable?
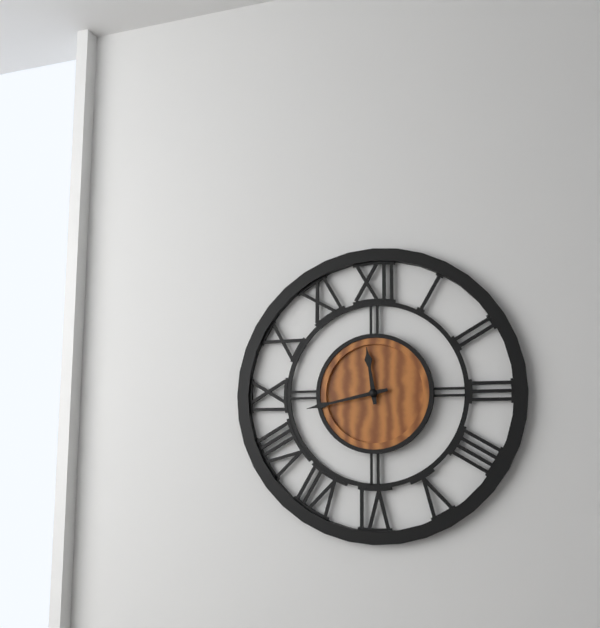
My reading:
h=11 m=43
